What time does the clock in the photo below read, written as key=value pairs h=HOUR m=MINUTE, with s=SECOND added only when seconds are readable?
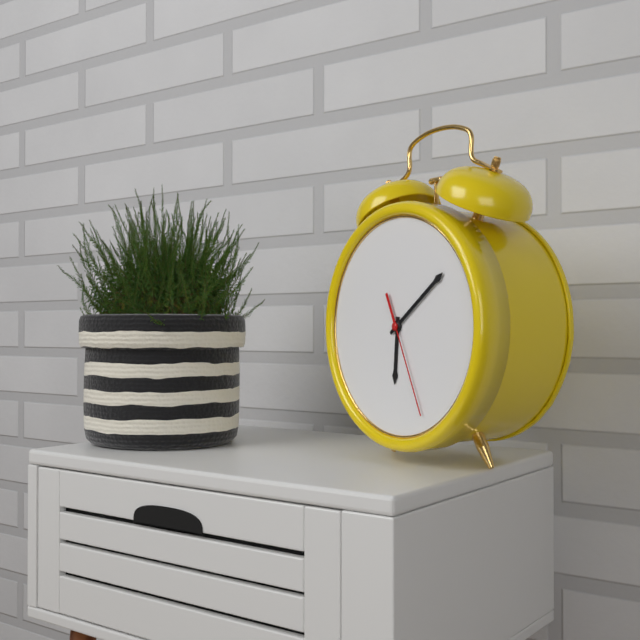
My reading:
h=6 m=9 s=26
